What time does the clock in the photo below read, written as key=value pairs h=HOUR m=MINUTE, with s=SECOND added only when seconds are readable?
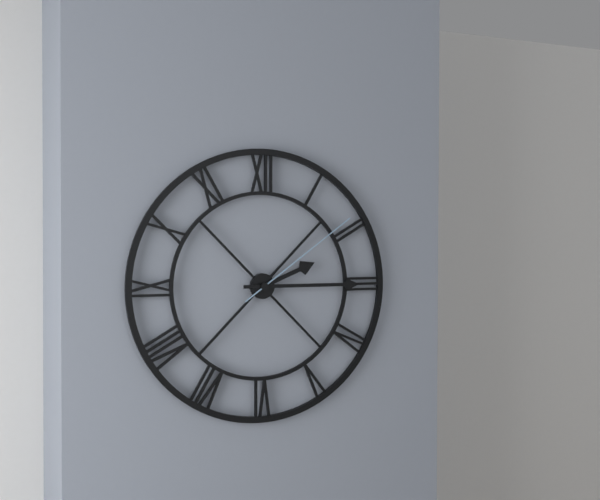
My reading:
h=2 m=15 s=9
